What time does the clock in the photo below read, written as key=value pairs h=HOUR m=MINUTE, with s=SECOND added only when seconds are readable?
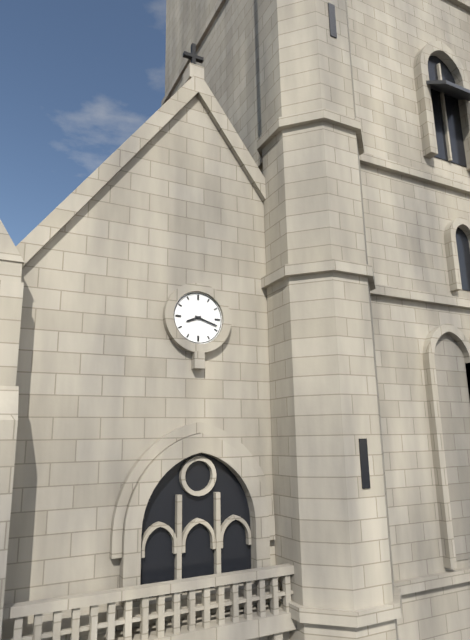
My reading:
h=8 m=18
